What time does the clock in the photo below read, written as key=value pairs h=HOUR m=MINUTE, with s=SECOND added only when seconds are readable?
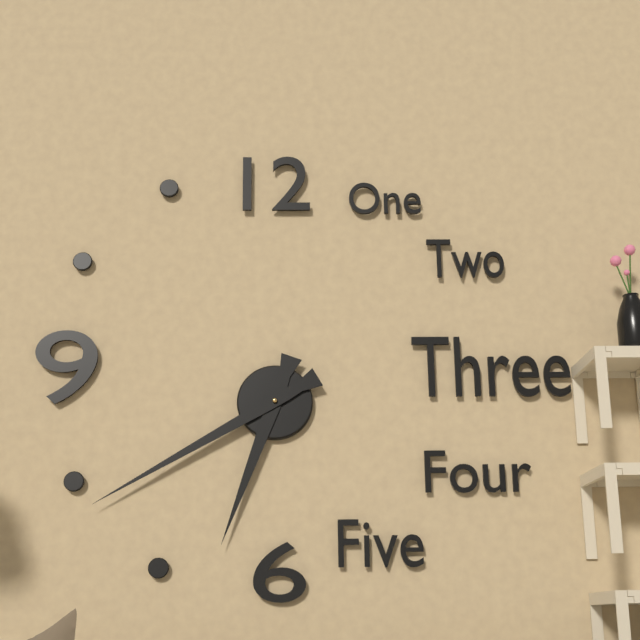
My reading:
h=6 m=40
